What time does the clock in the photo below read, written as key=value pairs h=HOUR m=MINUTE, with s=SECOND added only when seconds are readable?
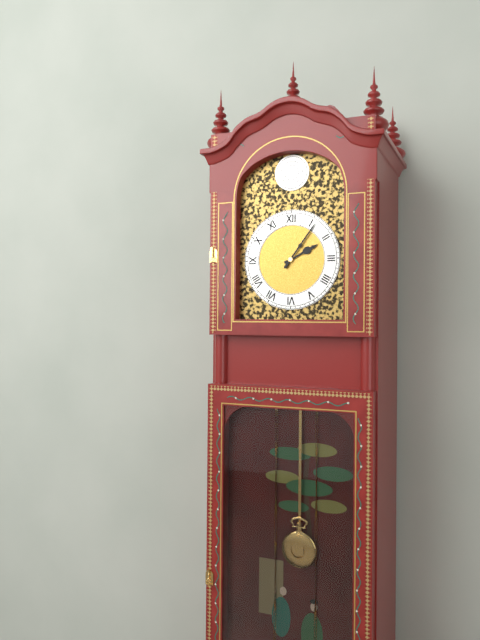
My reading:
h=2 m=6
